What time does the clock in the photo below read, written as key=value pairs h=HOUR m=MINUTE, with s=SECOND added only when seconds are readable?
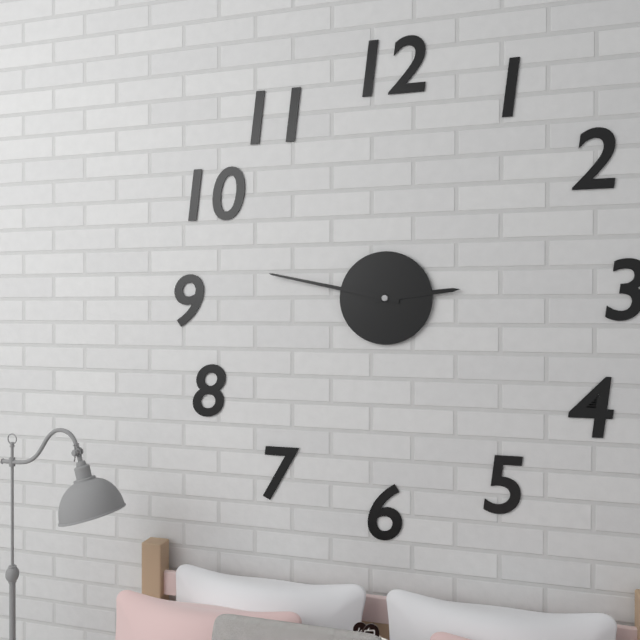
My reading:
h=2 m=47
